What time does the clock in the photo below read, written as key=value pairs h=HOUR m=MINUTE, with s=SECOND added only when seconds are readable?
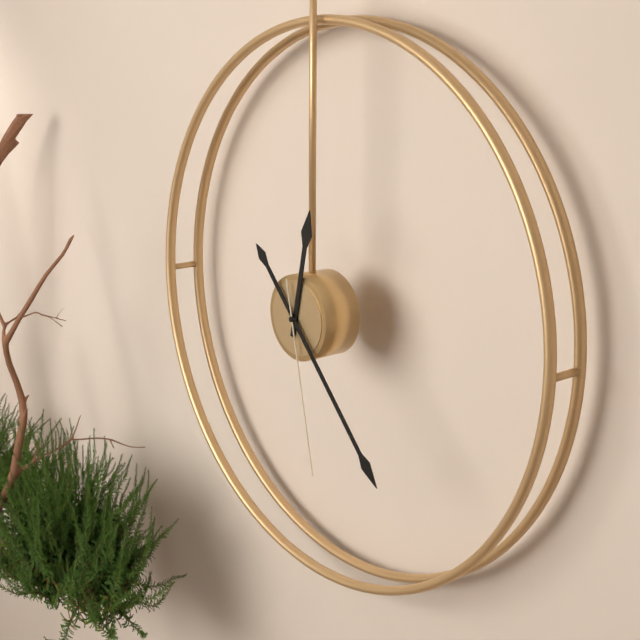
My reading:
h=12 m=23 s=28
